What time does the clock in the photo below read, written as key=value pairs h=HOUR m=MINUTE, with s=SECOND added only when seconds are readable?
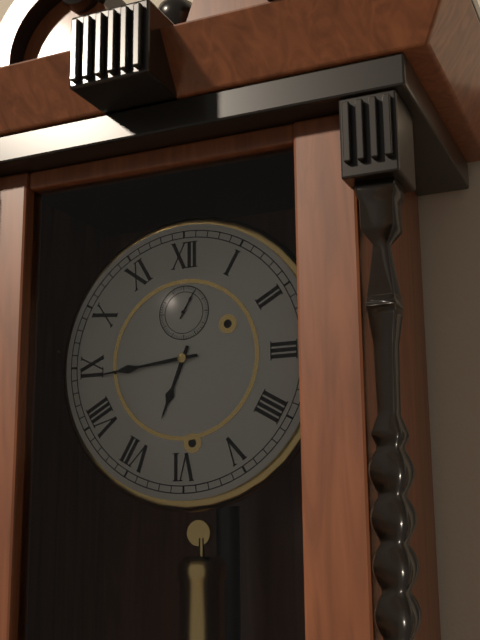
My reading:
h=6 m=44
